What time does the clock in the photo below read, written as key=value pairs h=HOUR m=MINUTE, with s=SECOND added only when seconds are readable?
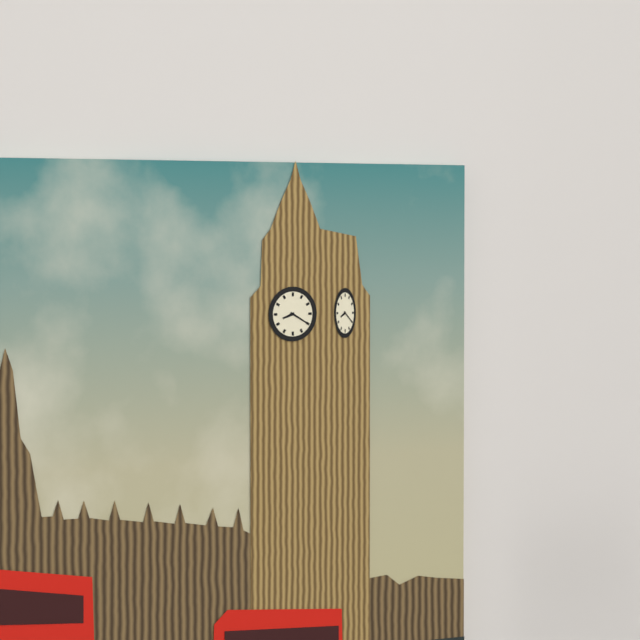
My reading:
h=8 m=20
